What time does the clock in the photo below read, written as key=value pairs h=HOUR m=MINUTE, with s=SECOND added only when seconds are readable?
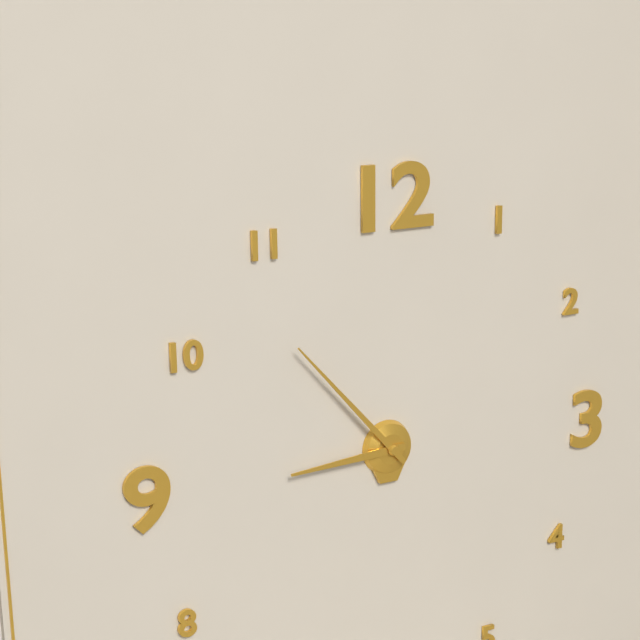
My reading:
h=8 m=53
